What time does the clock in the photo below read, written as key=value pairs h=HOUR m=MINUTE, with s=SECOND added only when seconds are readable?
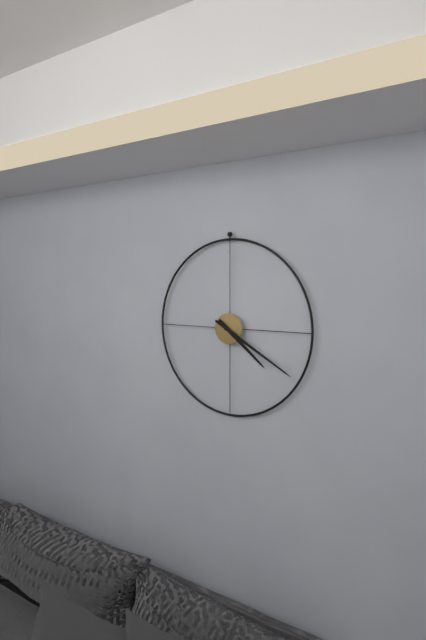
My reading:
h=4 m=20
